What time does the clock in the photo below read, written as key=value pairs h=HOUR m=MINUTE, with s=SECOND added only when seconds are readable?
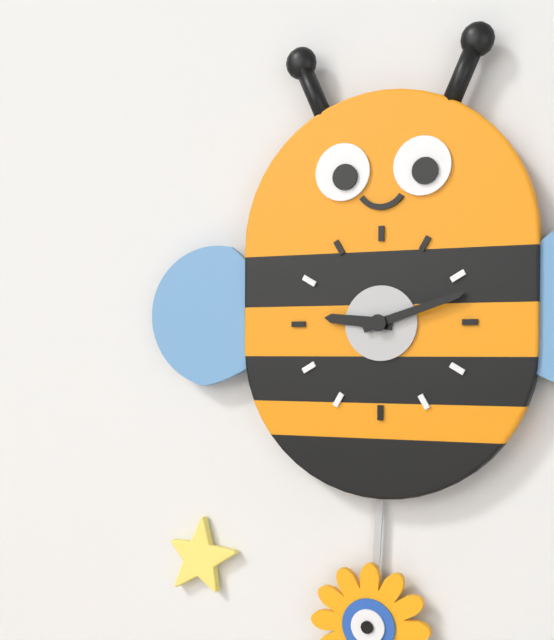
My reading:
h=9 m=12
